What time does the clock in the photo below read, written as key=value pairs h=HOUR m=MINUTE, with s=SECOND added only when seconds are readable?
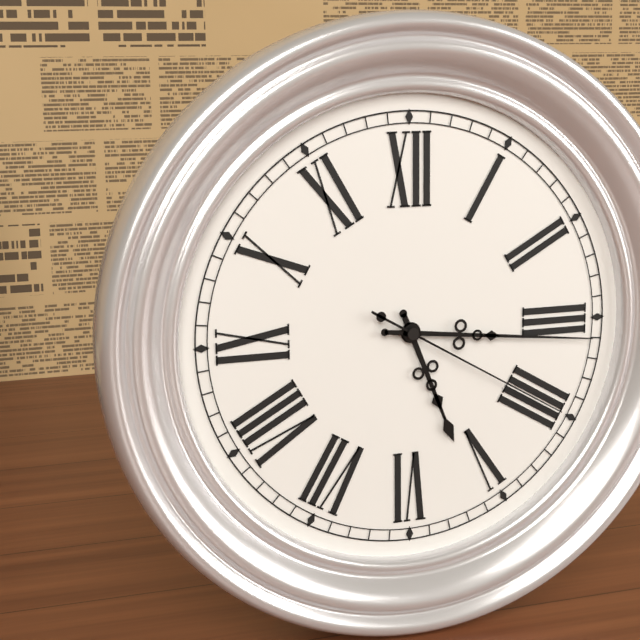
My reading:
h=5 m=16 s=20
